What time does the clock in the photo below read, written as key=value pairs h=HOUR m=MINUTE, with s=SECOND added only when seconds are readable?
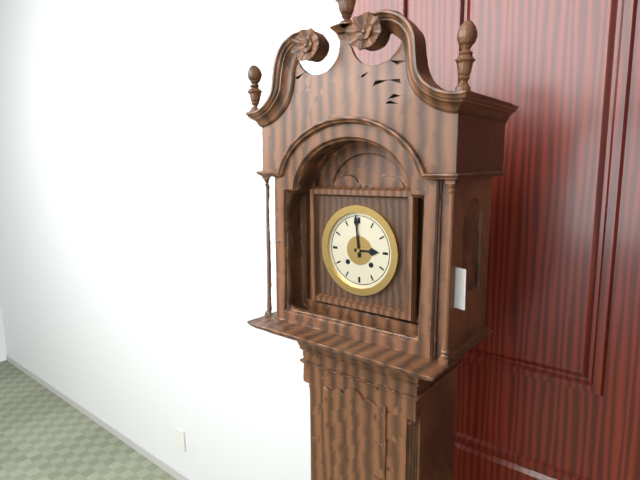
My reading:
h=2 m=59
